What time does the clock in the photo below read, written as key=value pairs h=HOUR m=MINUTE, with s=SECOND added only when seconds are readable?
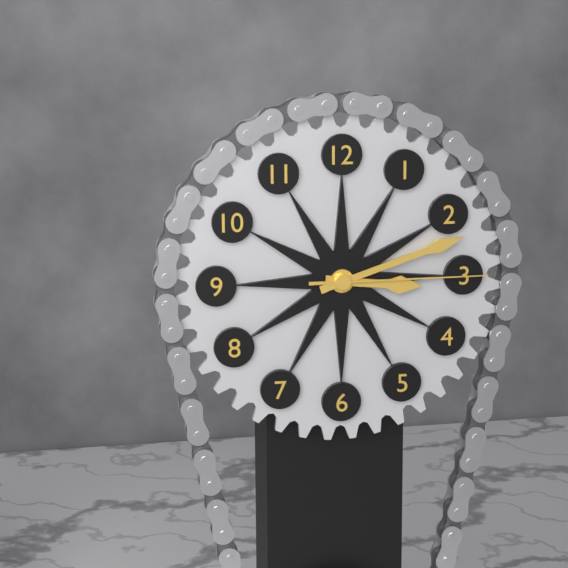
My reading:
h=3 m=12 s=15
